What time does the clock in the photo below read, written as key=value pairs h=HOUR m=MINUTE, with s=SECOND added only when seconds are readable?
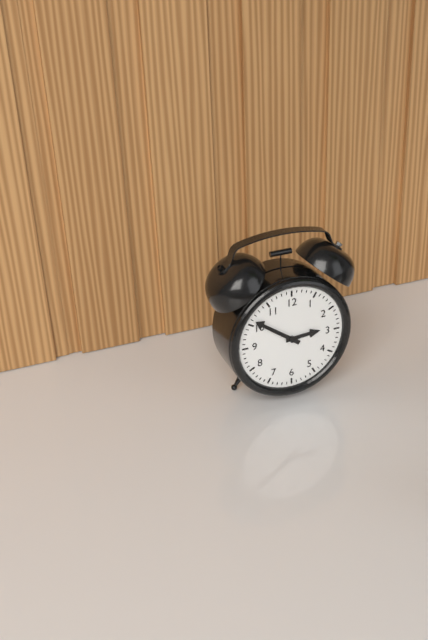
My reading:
h=2 m=51
